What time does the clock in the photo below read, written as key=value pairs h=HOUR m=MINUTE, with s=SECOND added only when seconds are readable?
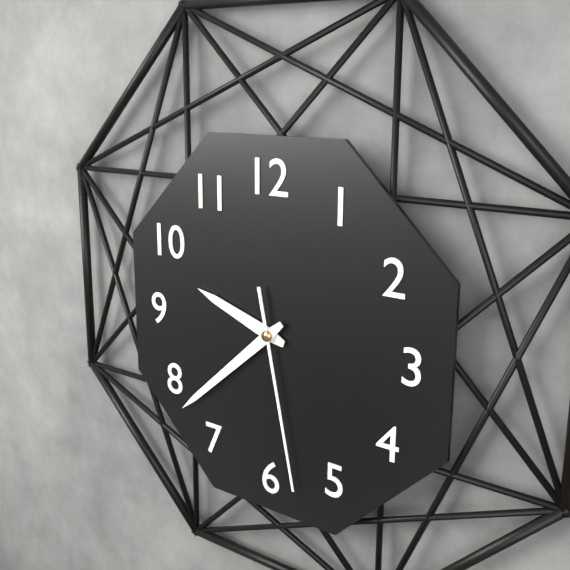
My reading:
h=9 m=38 s=28
